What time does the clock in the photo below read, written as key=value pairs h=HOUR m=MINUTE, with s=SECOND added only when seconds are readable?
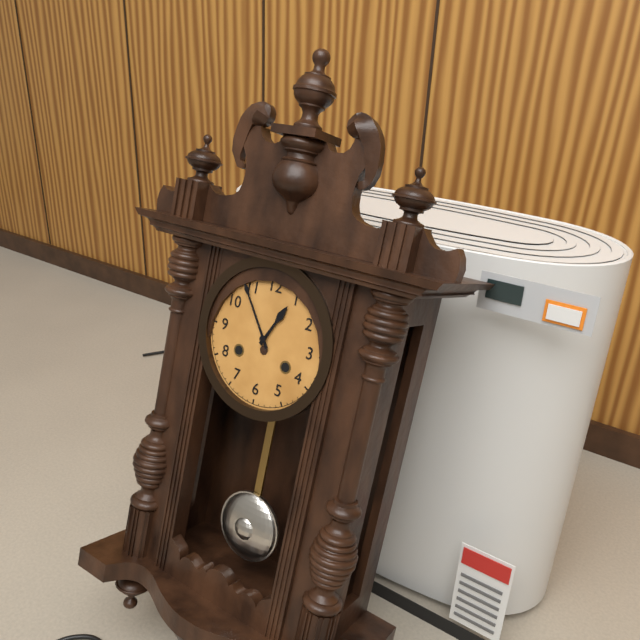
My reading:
h=12 m=54
